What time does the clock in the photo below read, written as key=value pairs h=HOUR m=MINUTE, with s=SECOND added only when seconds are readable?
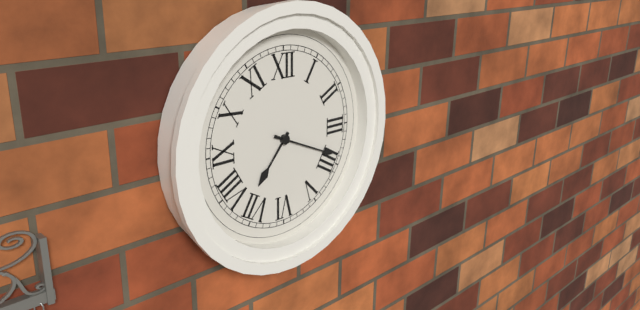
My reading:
h=7 m=19
